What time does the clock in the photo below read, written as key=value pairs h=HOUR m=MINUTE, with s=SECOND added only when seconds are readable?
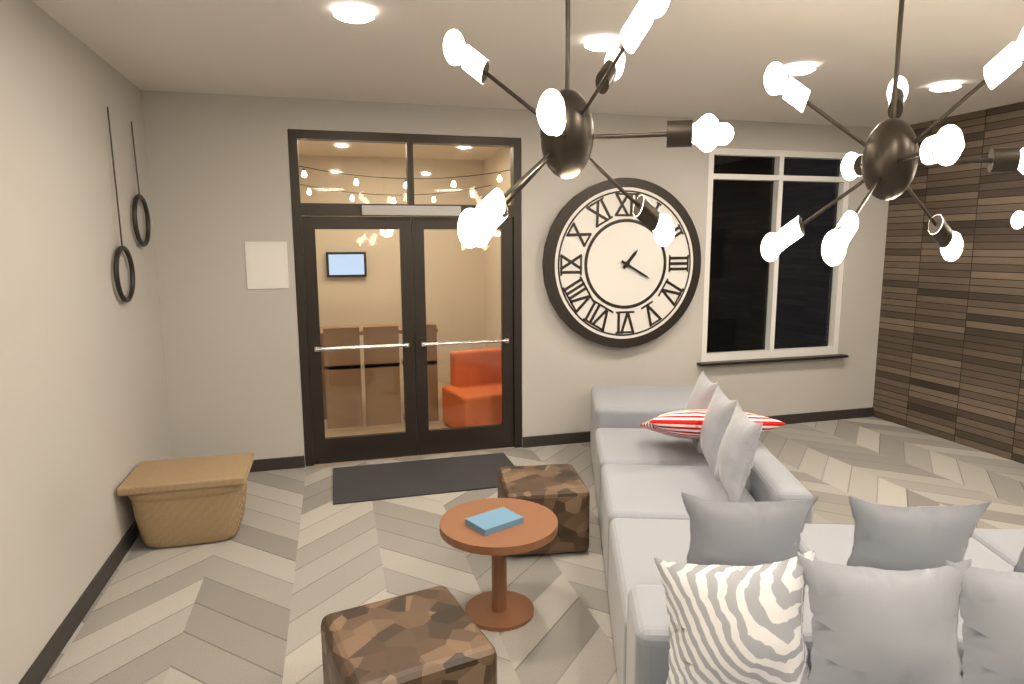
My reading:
h=1 m=20
